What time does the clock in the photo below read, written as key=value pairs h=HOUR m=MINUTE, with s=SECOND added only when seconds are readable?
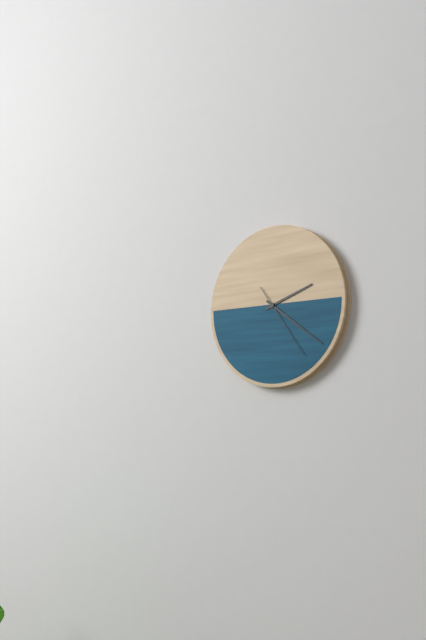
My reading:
h=2 m=21 s=24
